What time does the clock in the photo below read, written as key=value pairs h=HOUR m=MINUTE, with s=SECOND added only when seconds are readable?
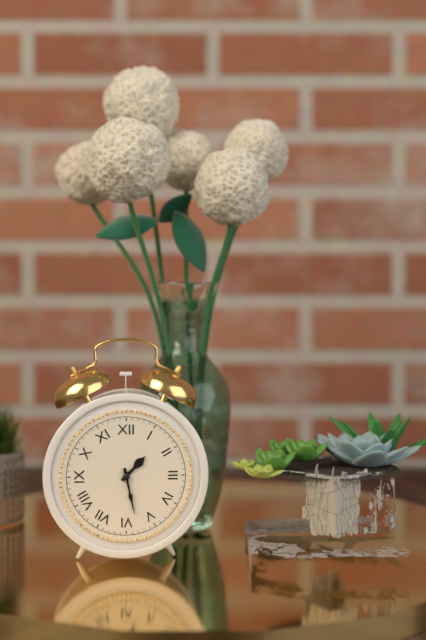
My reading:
h=1 m=28
